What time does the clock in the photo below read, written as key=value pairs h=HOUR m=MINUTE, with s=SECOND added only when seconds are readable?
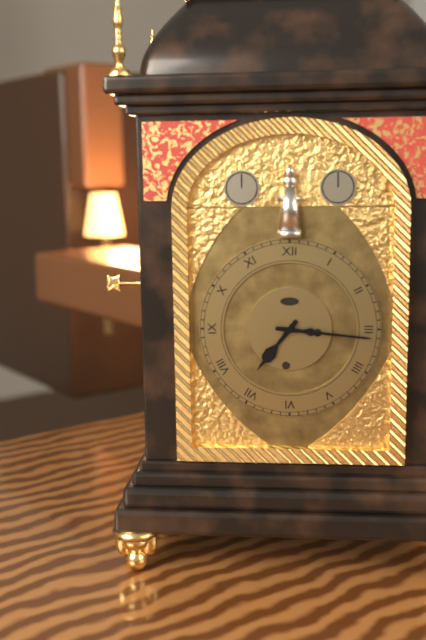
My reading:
h=7 m=16
